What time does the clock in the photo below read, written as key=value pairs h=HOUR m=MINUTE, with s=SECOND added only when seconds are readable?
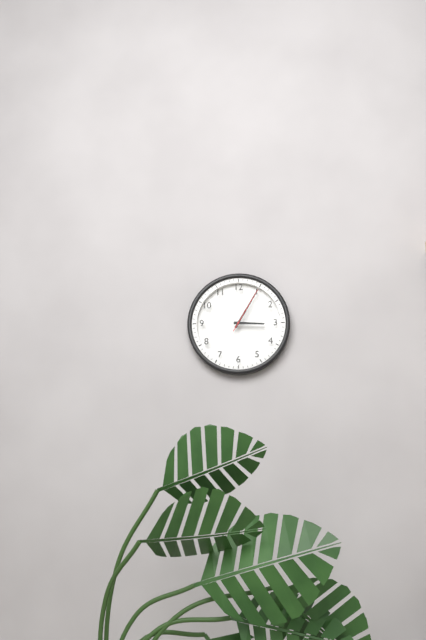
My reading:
h=3 m=5
